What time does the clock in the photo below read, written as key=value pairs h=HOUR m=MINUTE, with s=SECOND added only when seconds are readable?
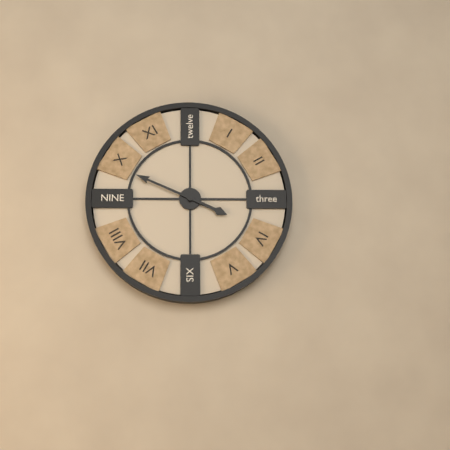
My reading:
h=3 m=49
